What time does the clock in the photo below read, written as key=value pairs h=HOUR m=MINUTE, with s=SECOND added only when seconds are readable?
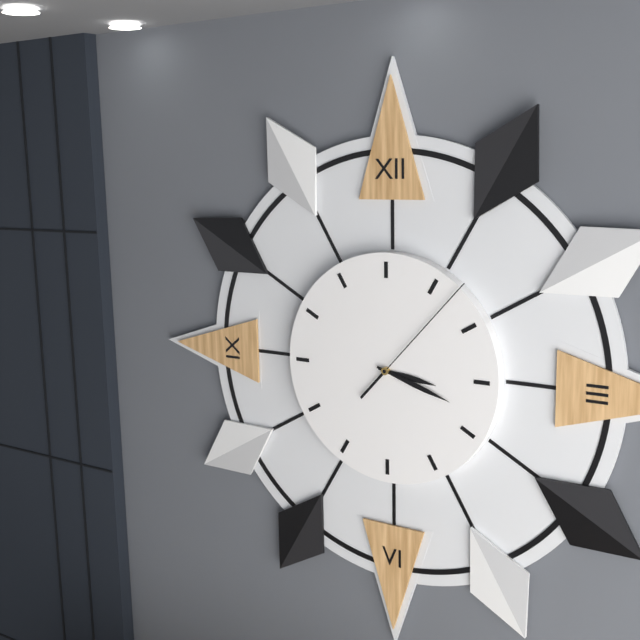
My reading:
h=3 m=18 s=7
